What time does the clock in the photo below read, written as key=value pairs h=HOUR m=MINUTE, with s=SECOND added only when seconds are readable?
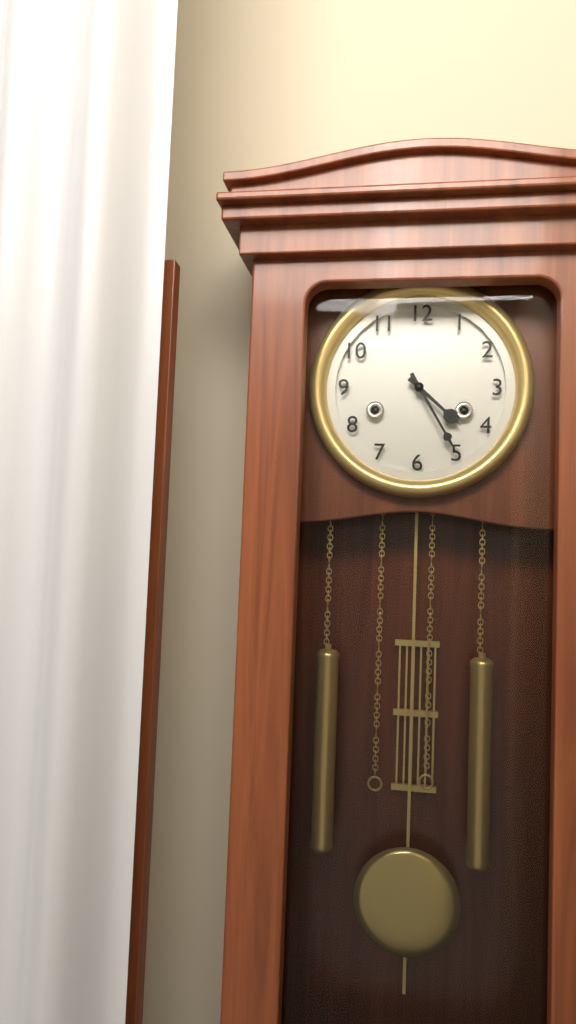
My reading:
h=4 m=25
